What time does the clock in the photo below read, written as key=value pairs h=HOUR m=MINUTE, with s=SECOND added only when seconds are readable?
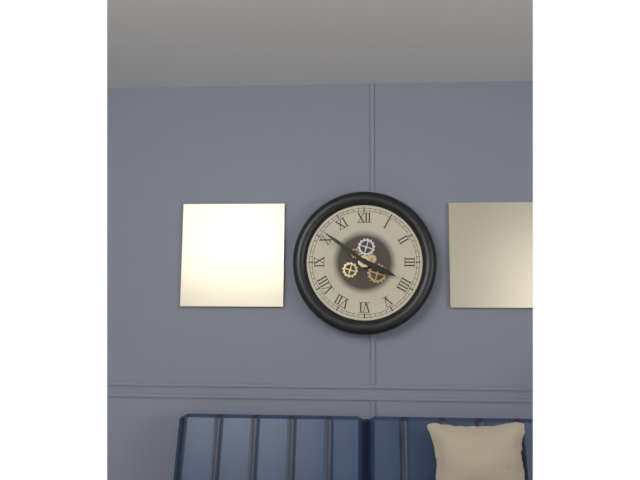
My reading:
h=3 m=51
